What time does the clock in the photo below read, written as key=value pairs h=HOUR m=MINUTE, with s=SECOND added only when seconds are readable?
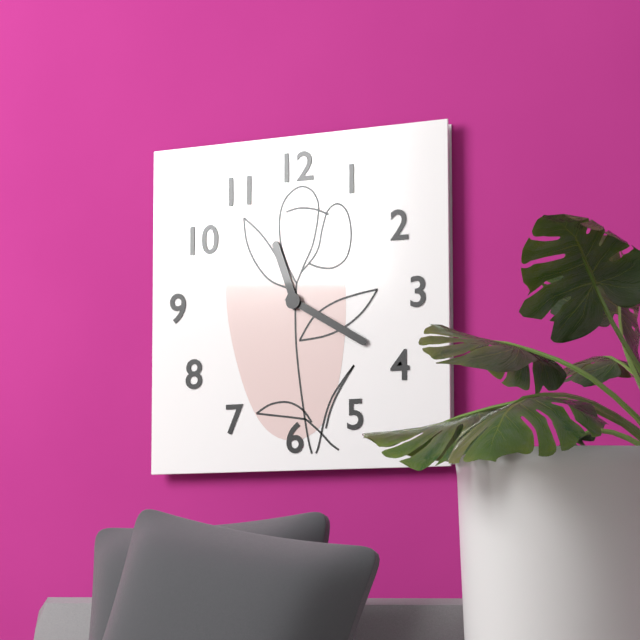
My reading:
h=11 m=20
